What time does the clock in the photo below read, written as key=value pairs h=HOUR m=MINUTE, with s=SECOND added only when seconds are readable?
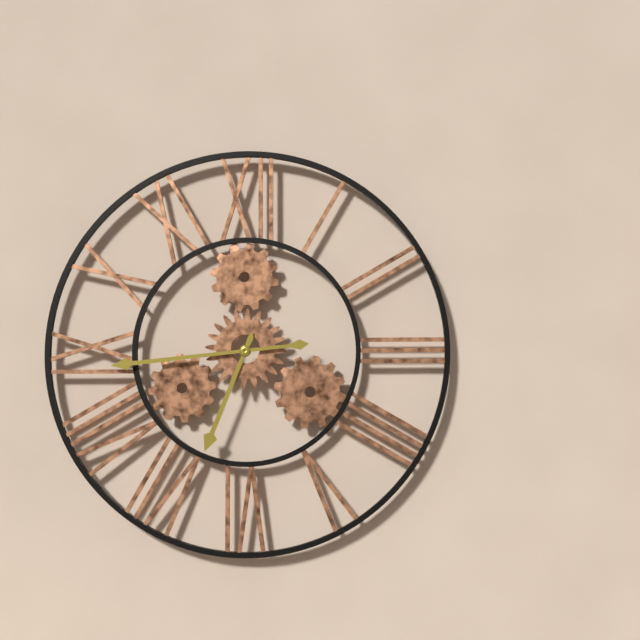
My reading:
h=6 m=44
